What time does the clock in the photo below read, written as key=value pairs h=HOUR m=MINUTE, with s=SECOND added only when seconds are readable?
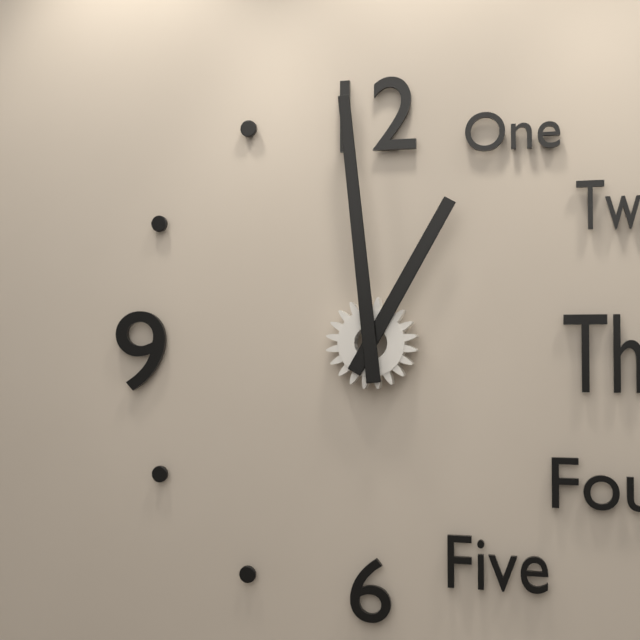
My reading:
h=12 m=59
